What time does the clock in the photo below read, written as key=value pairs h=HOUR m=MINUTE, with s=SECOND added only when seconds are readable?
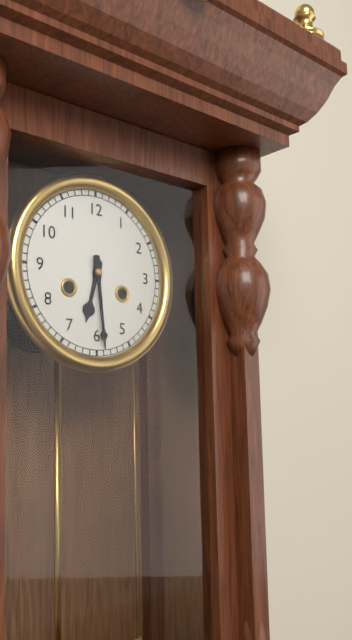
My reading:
h=6 m=29
